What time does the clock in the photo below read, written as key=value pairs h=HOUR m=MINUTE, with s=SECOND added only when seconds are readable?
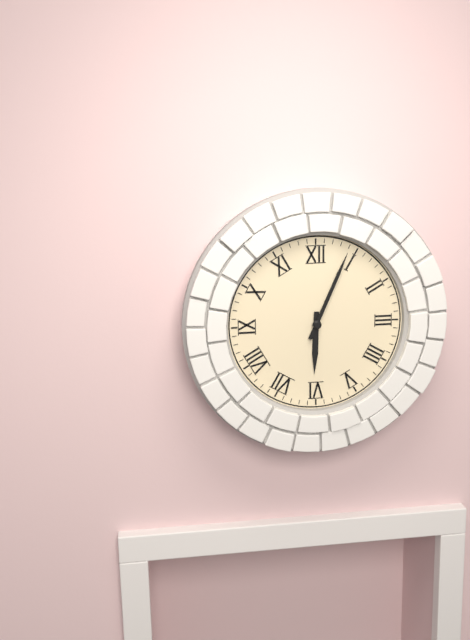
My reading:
h=6 m=4
